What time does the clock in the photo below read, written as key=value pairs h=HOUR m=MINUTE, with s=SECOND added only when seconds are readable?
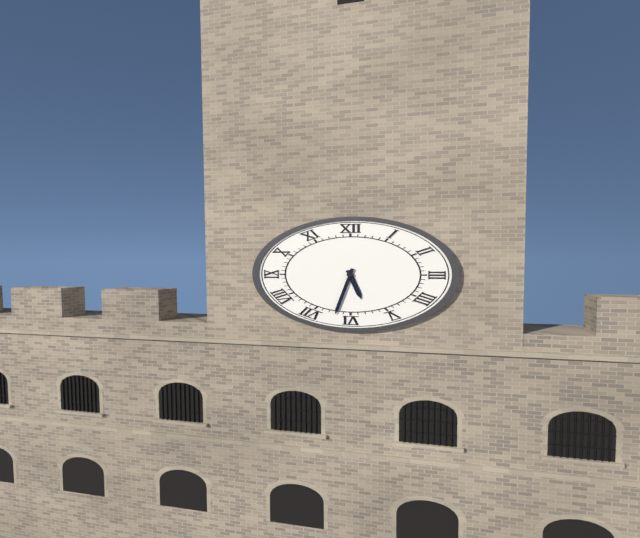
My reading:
h=5 m=32
